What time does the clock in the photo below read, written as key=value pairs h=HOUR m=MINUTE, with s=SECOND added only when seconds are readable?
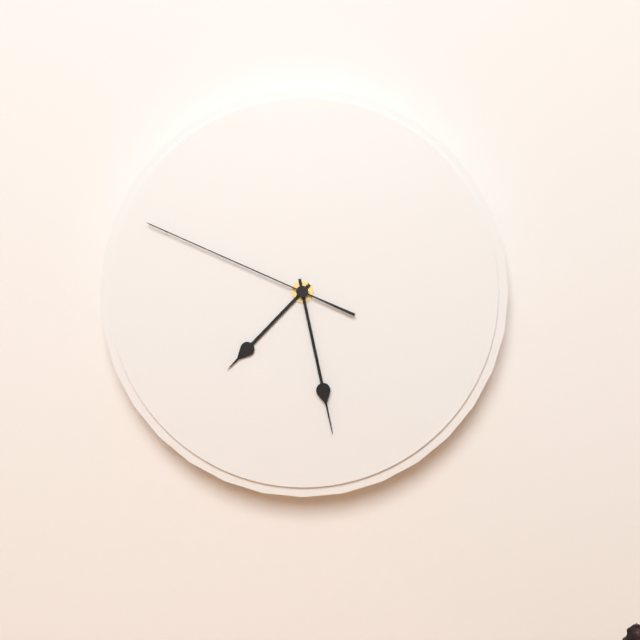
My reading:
h=7 m=28 s=49
